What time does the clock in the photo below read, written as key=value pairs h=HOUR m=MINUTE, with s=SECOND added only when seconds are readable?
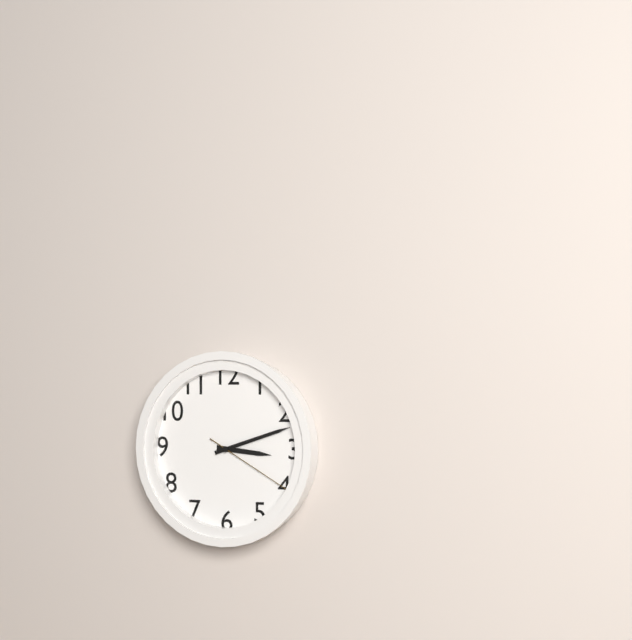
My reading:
h=3 m=12 s=20
